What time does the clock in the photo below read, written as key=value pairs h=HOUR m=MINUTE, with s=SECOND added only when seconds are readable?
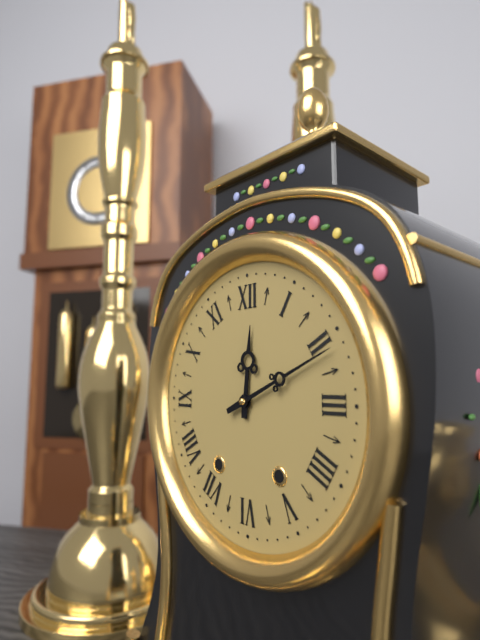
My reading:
h=12 m=11
